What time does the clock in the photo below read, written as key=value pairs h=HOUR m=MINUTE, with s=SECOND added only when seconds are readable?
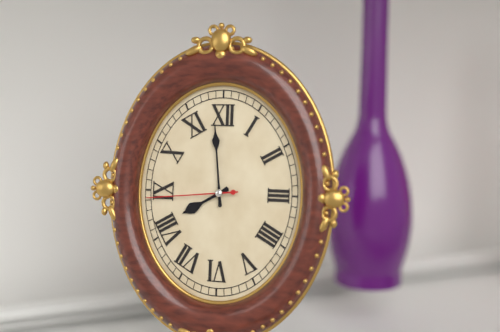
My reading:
h=7 m=59 s=44
